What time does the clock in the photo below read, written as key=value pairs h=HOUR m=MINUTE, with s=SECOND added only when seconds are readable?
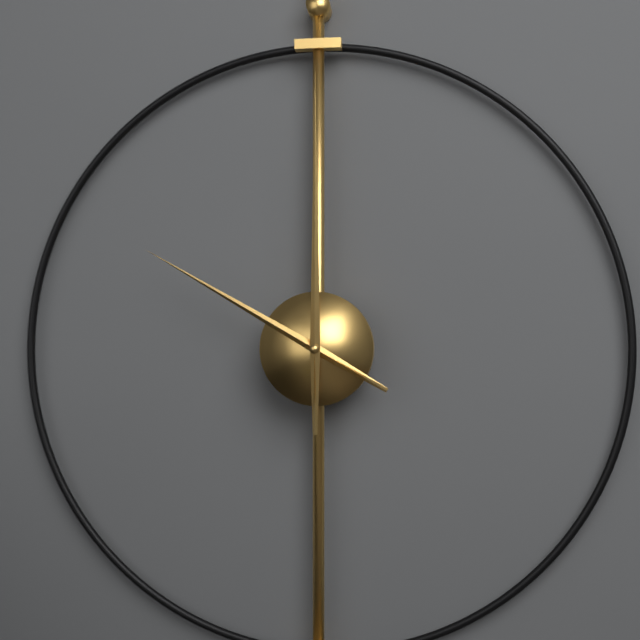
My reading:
h=10 m=0
